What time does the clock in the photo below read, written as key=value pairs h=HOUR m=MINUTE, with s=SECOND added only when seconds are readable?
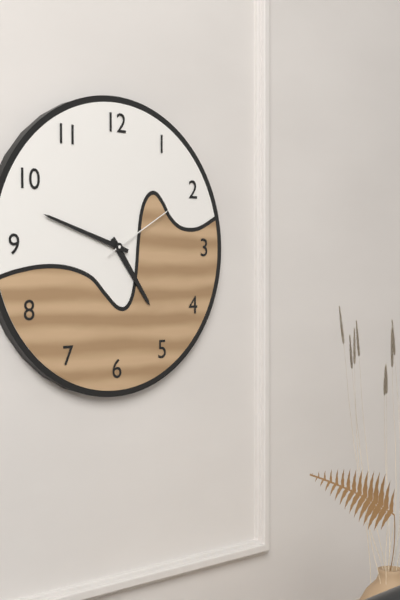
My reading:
h=4 m=48 s=10
